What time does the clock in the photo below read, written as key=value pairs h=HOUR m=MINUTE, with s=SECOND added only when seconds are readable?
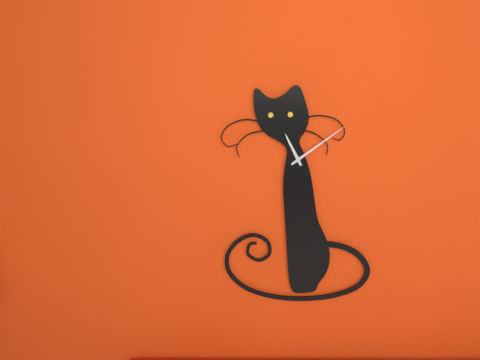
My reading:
h=11 m=9
